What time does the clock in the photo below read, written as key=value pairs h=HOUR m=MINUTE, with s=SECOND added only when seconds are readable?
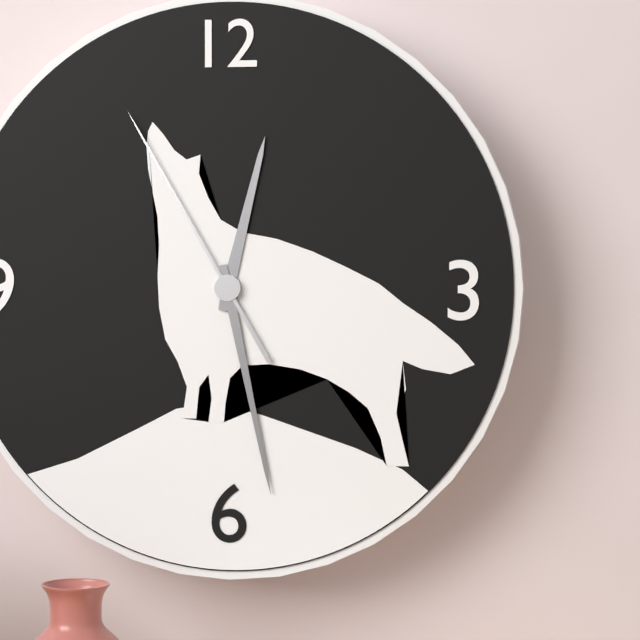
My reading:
h=12 m=28 s=55
